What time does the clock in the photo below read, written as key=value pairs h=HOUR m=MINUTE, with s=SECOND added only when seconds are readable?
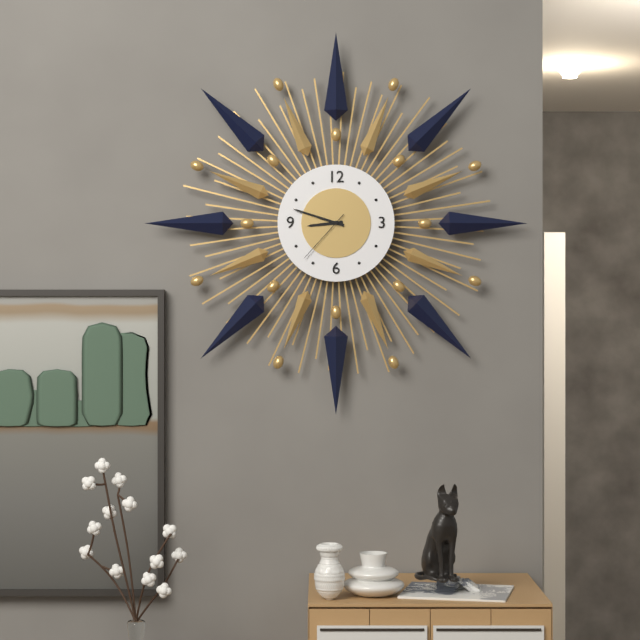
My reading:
h=8 m=48 s=37
